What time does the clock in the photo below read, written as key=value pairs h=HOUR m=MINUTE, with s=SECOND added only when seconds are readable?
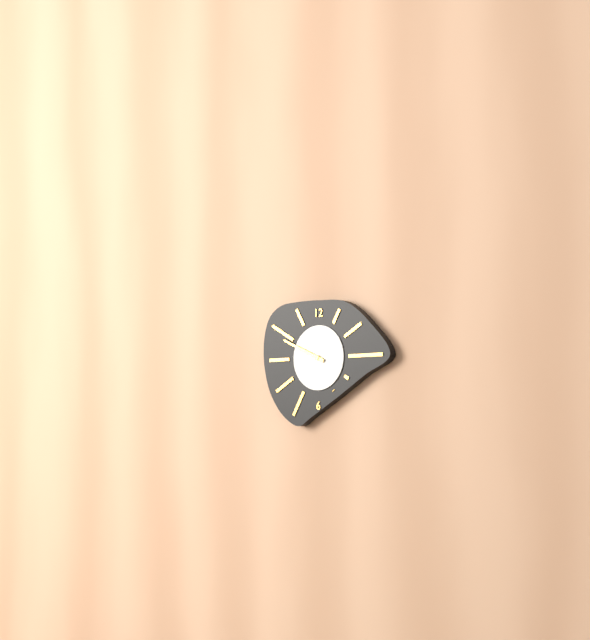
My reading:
h=9 m=49
